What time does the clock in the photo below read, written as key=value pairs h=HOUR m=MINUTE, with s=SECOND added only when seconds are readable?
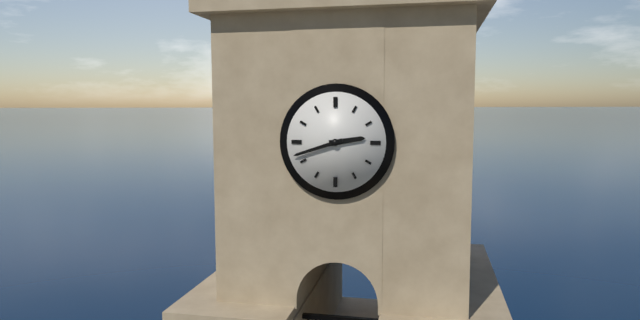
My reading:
h=2 m=42
